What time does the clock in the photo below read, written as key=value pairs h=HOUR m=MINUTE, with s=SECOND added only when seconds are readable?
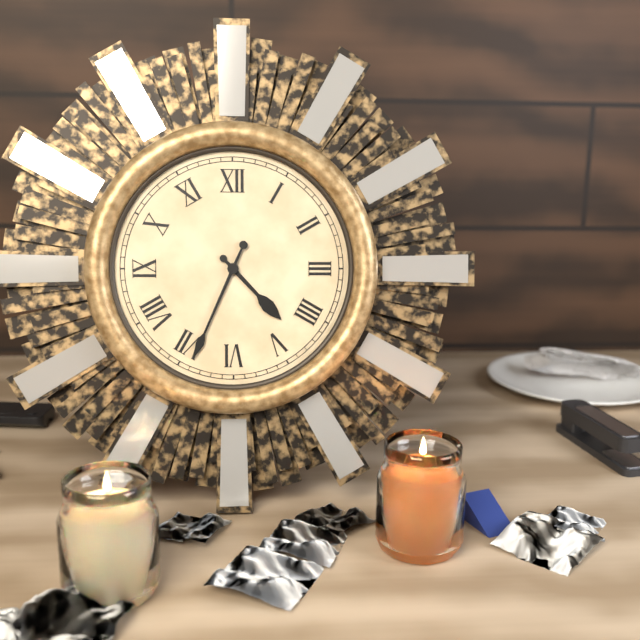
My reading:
h=4 m=34
